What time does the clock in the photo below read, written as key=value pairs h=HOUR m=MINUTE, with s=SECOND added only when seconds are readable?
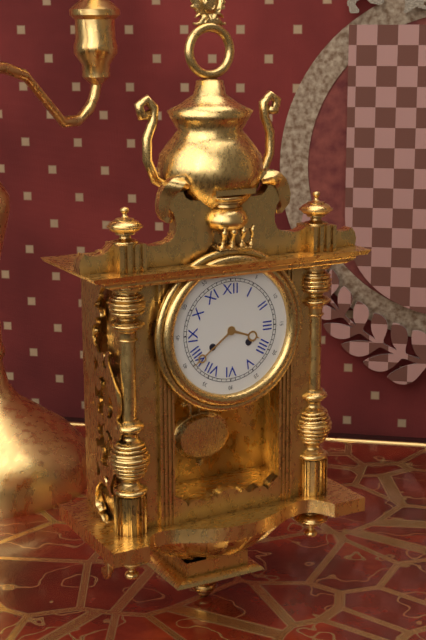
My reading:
h=3 m=39
